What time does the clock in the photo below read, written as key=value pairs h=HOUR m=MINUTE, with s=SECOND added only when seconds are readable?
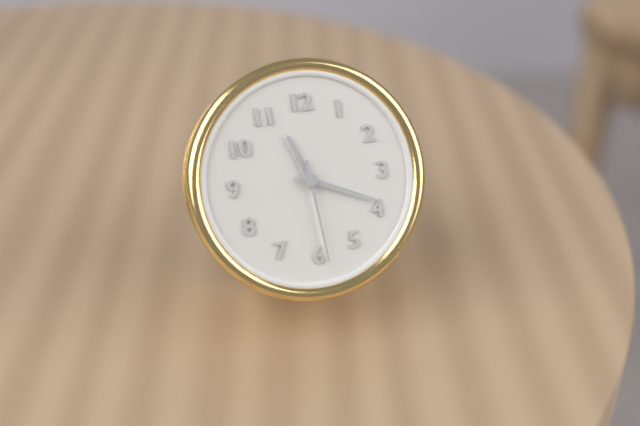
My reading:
h=11 m=19 s=29
